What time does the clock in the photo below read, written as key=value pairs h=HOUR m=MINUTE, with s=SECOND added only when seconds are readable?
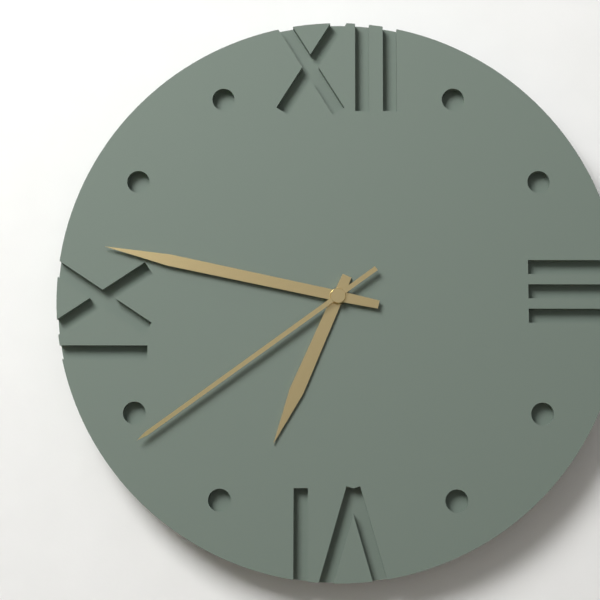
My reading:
h=6 m=47 s=39
